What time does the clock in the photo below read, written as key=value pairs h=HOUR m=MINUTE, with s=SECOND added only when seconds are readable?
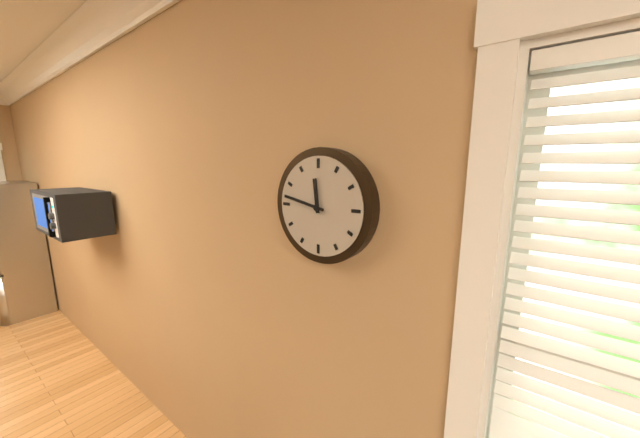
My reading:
h=11 m=47
